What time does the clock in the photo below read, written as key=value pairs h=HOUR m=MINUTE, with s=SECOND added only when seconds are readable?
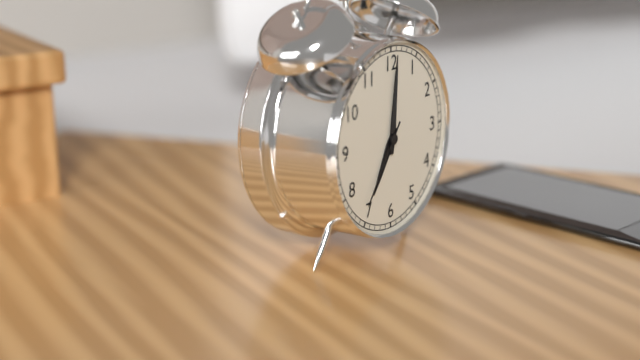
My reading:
h=7 m=1 s=36
